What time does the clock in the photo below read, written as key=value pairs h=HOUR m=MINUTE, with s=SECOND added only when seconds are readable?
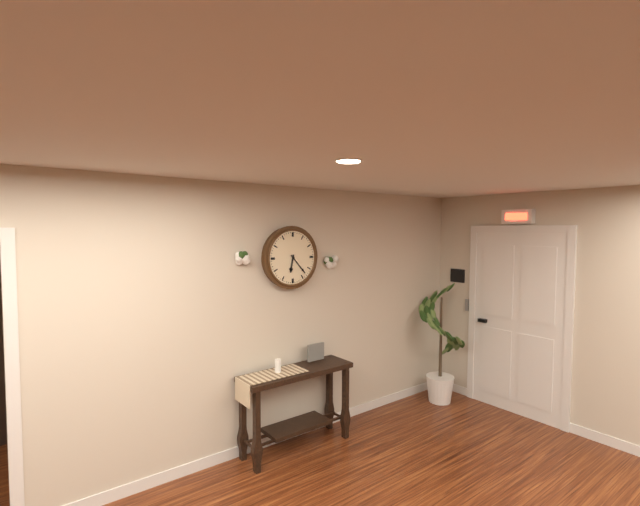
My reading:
h=6 m=23
